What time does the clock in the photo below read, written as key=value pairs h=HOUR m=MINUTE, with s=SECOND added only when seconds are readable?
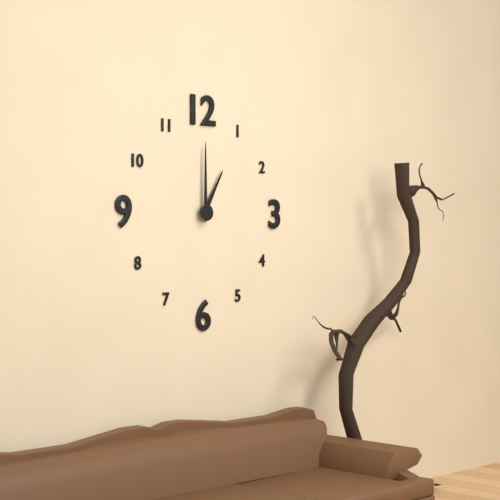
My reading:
h=1 m=0
